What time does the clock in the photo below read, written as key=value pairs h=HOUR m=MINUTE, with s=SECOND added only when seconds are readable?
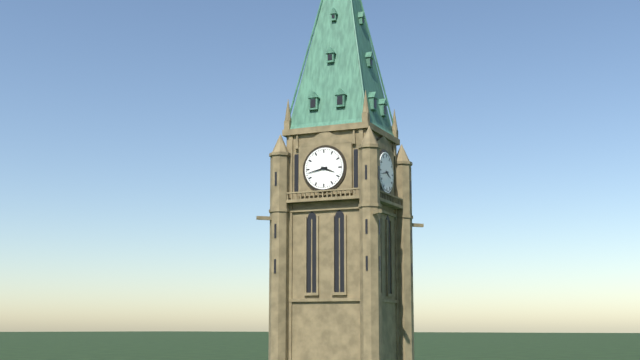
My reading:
h=3 m=43
